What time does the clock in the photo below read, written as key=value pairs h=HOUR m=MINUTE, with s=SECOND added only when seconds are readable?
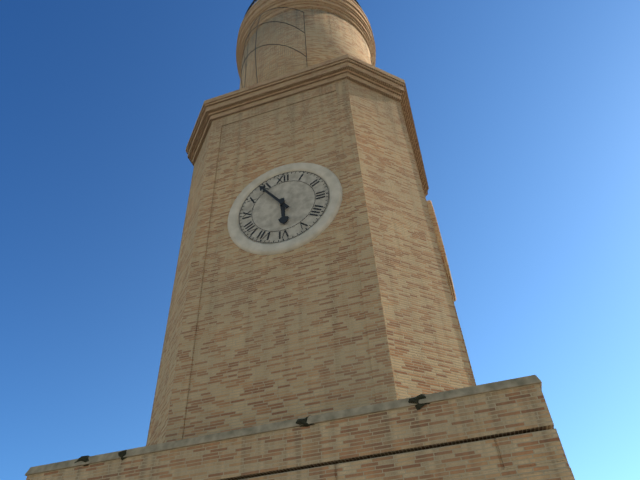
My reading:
h=5 m=54
